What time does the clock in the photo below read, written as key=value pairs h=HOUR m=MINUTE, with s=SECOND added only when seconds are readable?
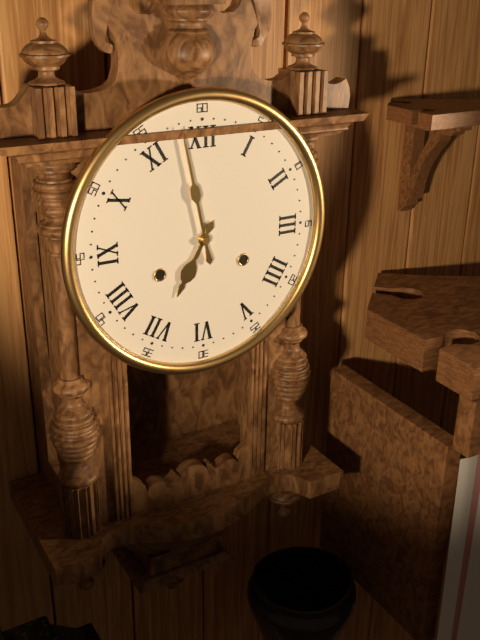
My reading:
h=6 m=58
